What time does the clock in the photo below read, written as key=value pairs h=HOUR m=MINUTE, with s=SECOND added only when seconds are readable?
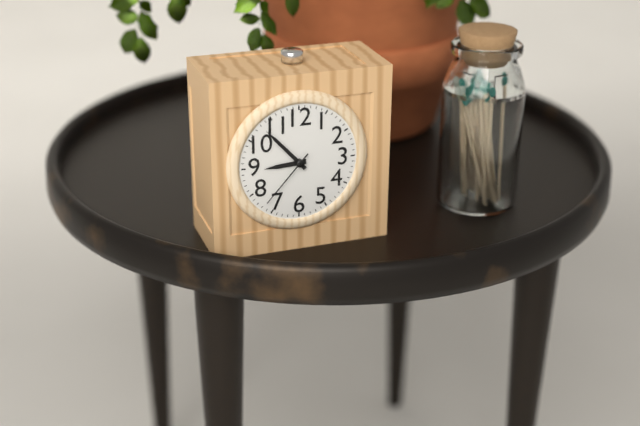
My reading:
h=8 m=53 s=37
